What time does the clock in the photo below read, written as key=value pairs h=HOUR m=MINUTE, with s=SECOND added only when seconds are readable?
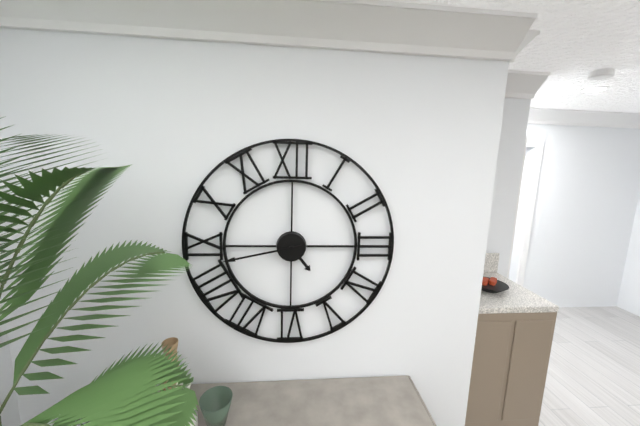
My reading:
h=4 m=43
